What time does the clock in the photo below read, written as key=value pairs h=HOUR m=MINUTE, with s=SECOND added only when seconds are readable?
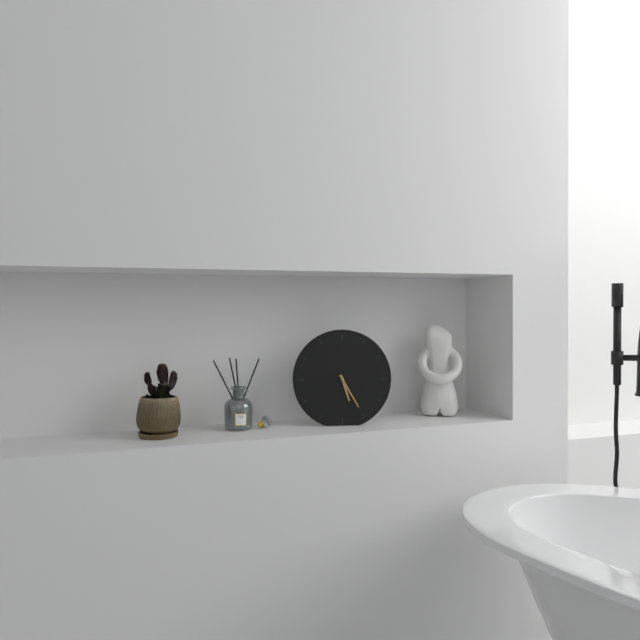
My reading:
h=5 m=25
